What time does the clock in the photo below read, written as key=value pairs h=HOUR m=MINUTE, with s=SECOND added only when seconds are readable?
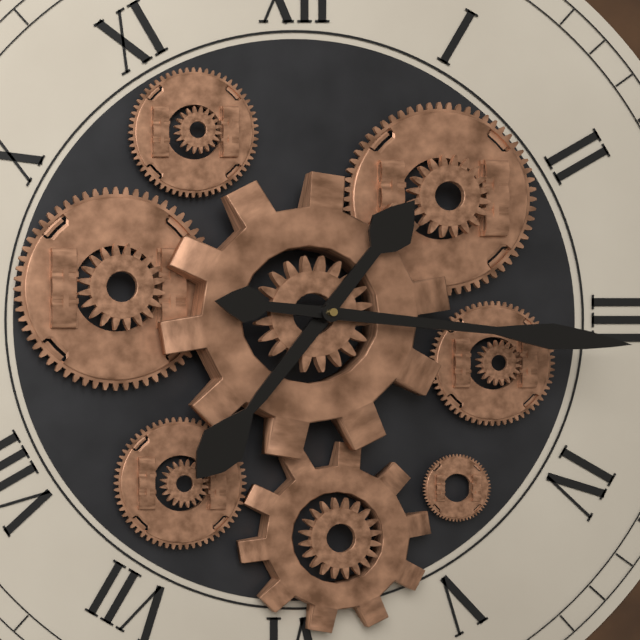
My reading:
h=7 m=16
